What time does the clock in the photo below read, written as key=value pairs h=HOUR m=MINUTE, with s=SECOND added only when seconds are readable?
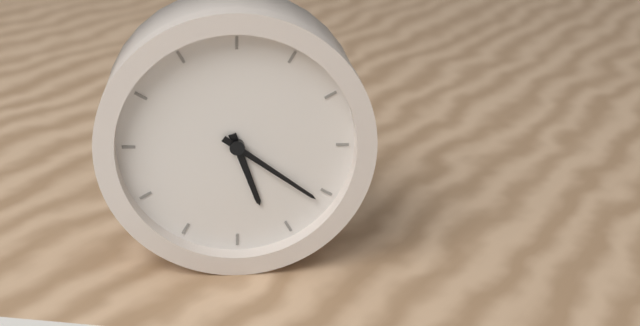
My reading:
h=5 m=21
